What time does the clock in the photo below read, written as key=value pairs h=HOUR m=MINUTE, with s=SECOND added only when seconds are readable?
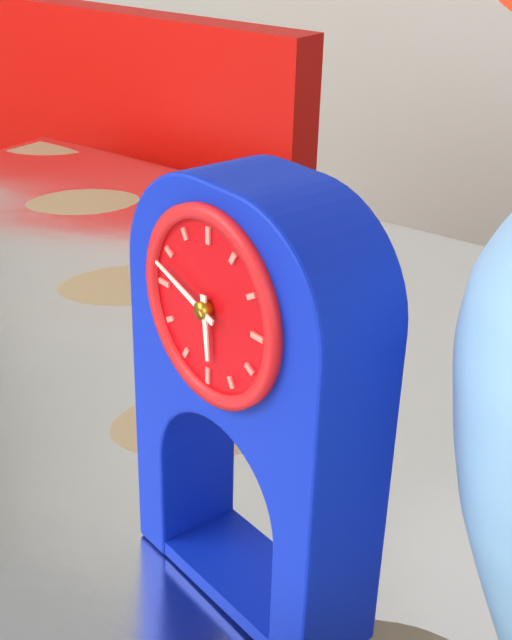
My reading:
h=5 m=48
